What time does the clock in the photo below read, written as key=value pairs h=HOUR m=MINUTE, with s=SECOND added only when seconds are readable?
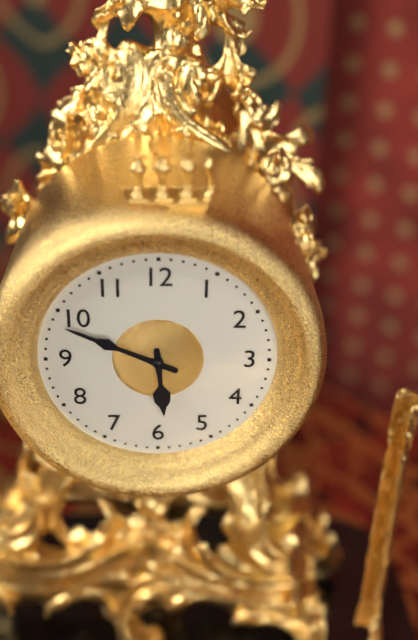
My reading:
h=5 m=49
